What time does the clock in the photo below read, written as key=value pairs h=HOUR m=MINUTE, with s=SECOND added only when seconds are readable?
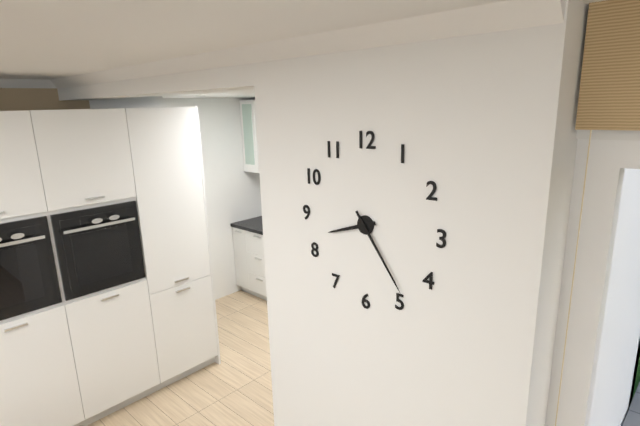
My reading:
h=8 m=24
